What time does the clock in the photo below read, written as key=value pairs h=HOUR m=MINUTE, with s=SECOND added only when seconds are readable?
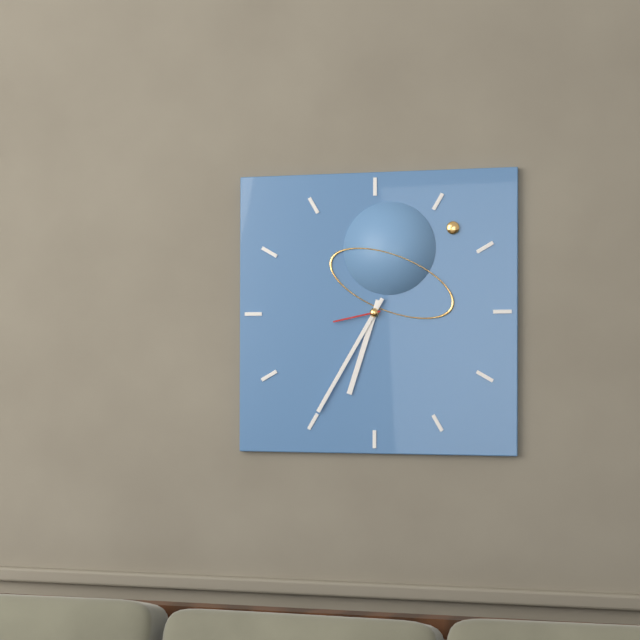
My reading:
h=6 m=35 s=43
